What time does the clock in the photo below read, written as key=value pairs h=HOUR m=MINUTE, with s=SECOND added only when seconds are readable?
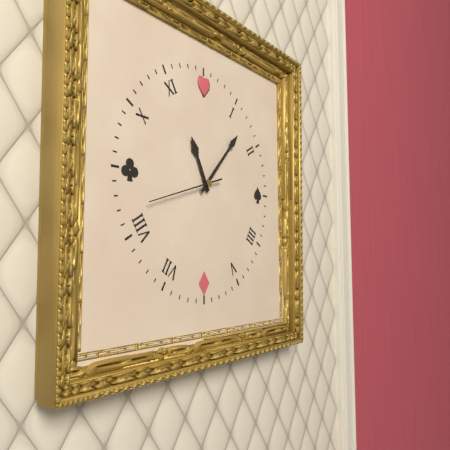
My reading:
h=11 m=7 s=42
